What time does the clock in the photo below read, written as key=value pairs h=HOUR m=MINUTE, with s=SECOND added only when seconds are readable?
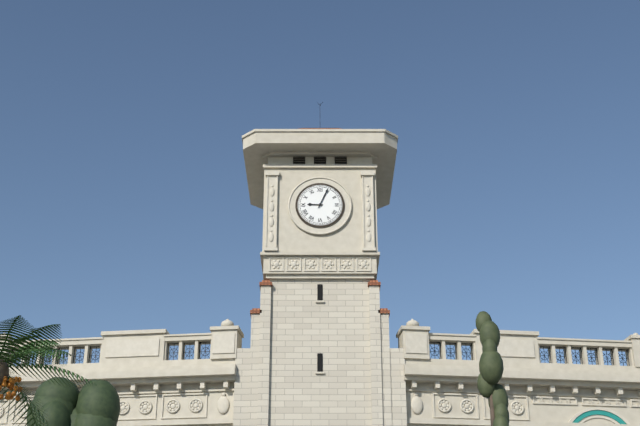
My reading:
h=9 m=4
